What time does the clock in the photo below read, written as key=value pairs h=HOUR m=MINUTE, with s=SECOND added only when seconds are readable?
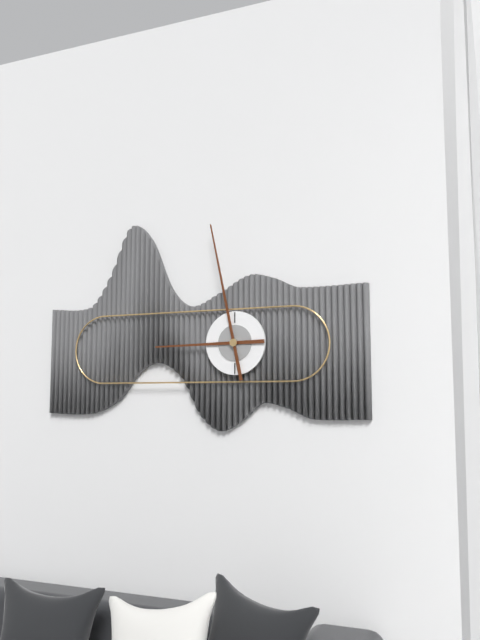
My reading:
h=8 m=58
